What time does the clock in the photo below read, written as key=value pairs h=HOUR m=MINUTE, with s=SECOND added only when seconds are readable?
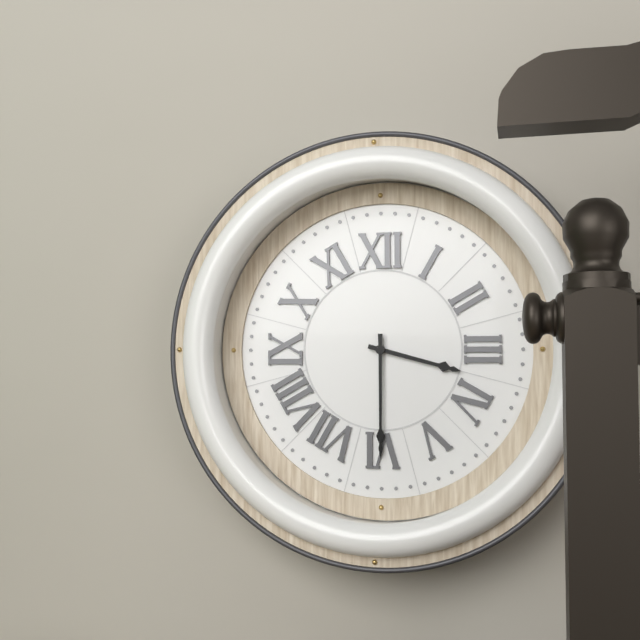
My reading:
h=3 m=30
